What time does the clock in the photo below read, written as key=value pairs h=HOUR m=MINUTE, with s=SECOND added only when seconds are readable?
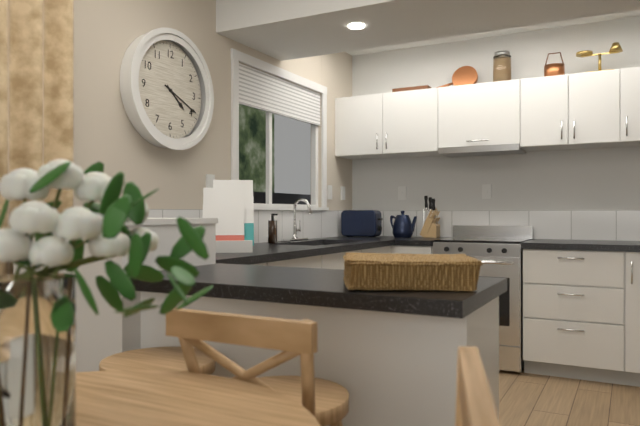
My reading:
h=4 m=19
